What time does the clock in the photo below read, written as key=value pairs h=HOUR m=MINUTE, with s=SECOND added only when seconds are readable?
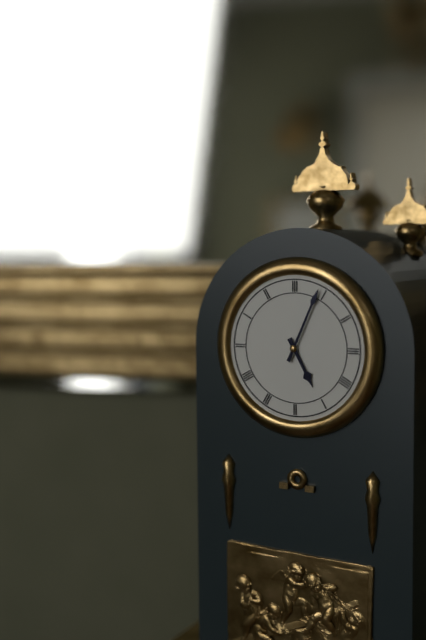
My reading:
h=5 m=4
